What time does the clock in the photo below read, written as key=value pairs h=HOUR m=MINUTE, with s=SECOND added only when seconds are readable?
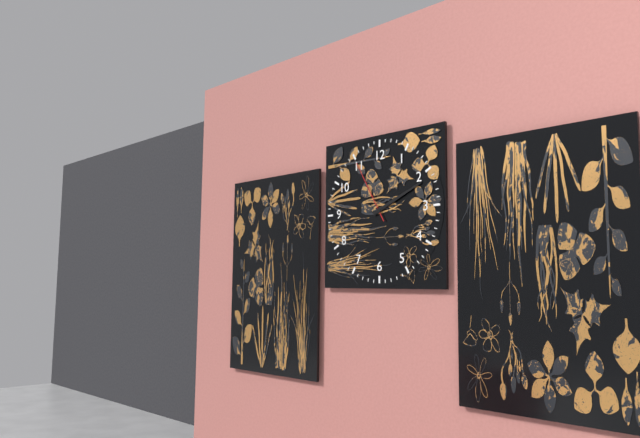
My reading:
h=2 m=11 s=55
